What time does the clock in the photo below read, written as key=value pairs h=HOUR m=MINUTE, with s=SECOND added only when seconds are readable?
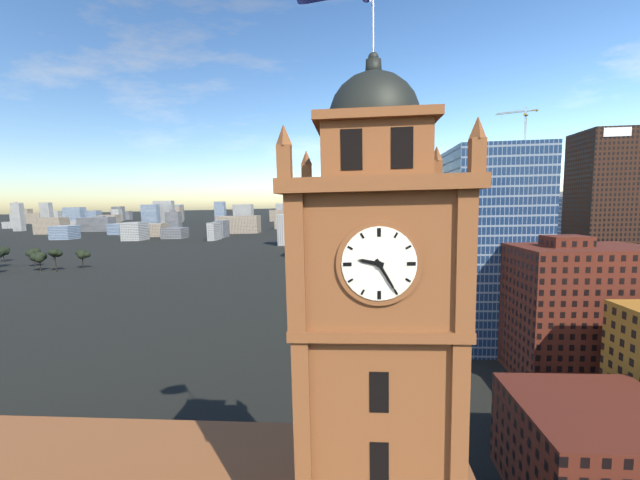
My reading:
h=9 m=25
